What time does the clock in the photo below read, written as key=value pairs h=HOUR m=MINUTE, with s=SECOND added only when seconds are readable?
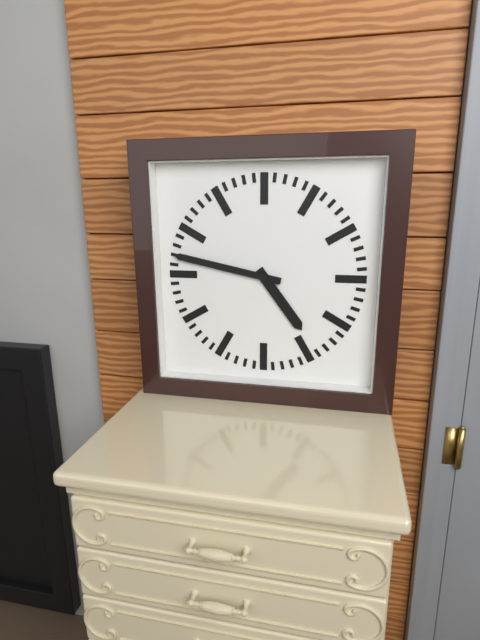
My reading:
h=4 m=47
